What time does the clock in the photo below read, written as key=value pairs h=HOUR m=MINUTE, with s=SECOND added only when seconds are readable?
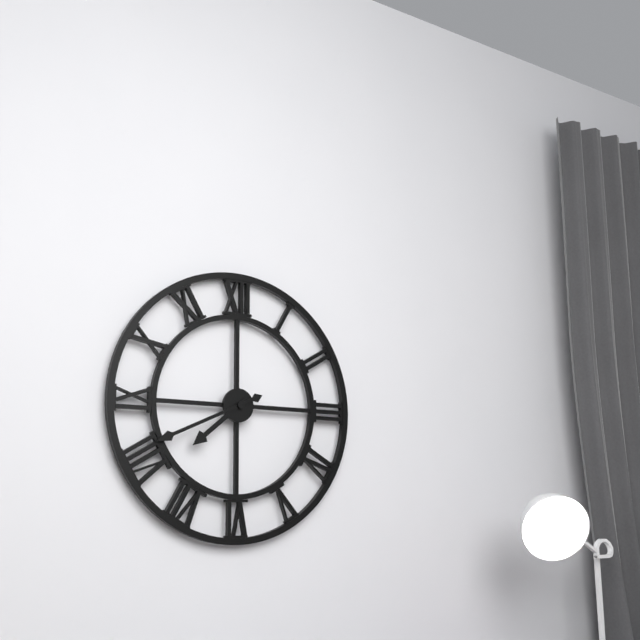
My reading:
h=7 m=41
